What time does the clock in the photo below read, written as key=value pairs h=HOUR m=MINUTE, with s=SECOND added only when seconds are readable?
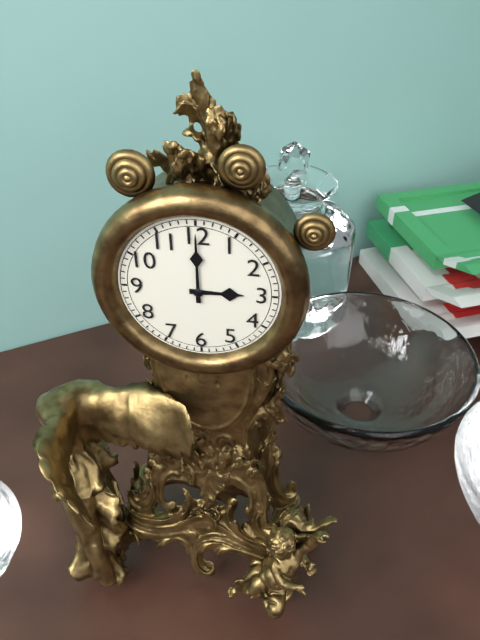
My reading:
h=3 m=0
